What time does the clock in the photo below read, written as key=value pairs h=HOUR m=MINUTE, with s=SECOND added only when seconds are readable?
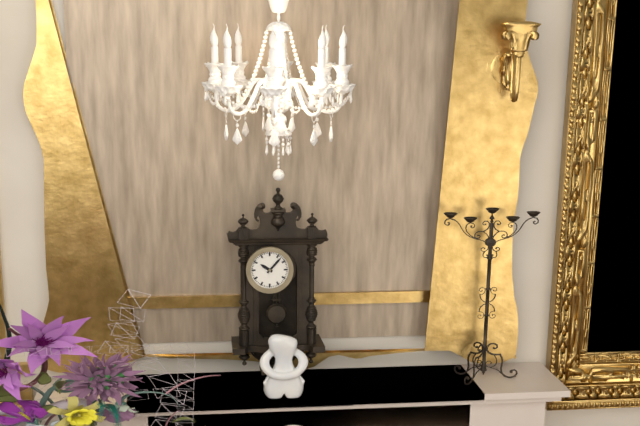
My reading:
h=10 m=7
